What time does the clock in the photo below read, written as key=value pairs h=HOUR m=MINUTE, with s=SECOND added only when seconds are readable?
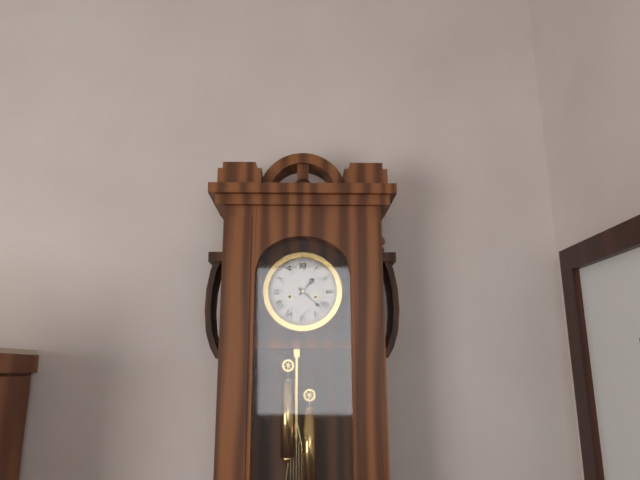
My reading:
h=1 m=22
